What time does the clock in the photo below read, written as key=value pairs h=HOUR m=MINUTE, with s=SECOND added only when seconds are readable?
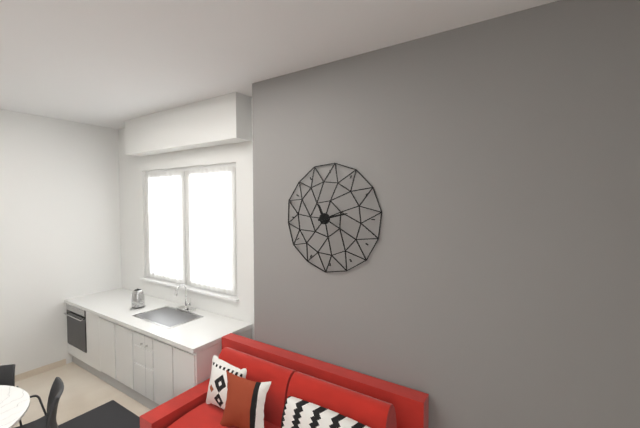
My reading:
h=11 m=13
